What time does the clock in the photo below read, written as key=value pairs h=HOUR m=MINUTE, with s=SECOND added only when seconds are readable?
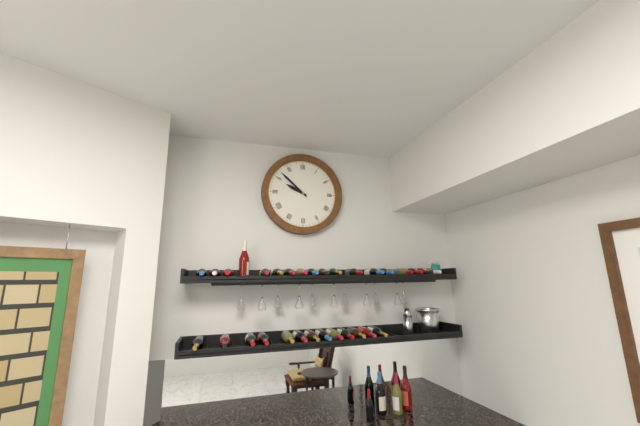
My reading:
h=9 m=52
